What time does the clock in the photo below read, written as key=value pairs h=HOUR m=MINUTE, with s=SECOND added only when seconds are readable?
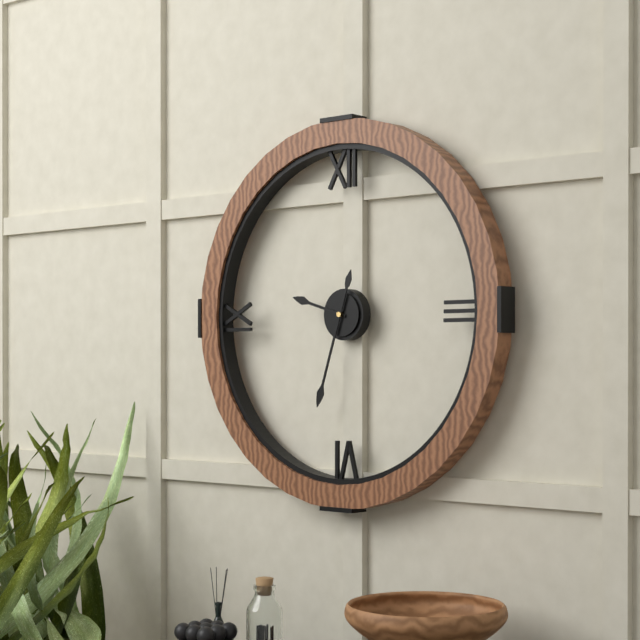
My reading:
h=9 m=33
